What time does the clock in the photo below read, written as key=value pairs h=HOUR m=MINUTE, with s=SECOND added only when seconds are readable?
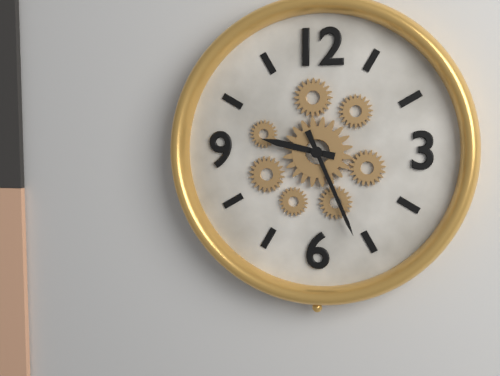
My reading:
h=9 m=26
